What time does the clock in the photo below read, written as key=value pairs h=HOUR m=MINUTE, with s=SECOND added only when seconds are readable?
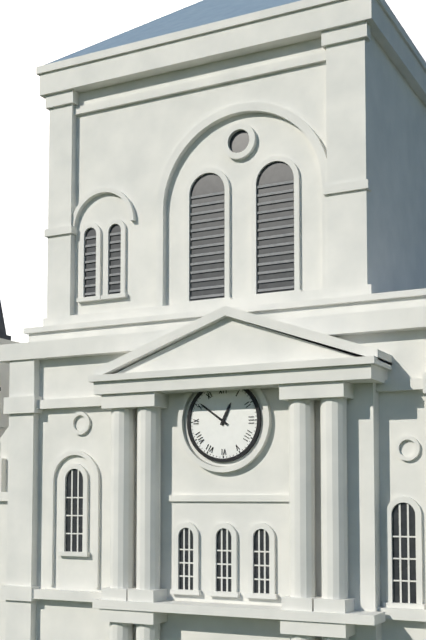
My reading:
h=12 m=51
